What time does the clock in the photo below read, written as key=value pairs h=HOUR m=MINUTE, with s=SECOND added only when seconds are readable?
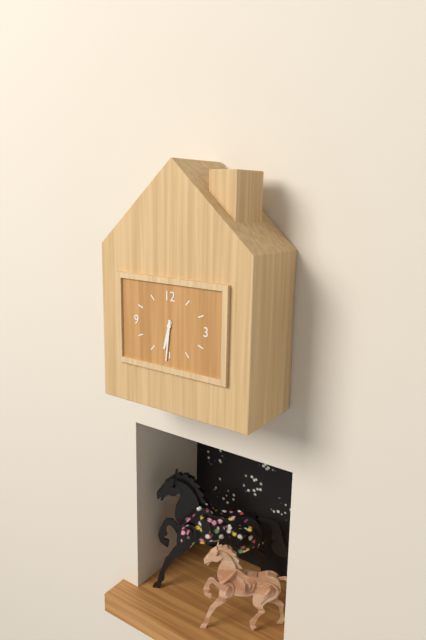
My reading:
h=6 m=31
